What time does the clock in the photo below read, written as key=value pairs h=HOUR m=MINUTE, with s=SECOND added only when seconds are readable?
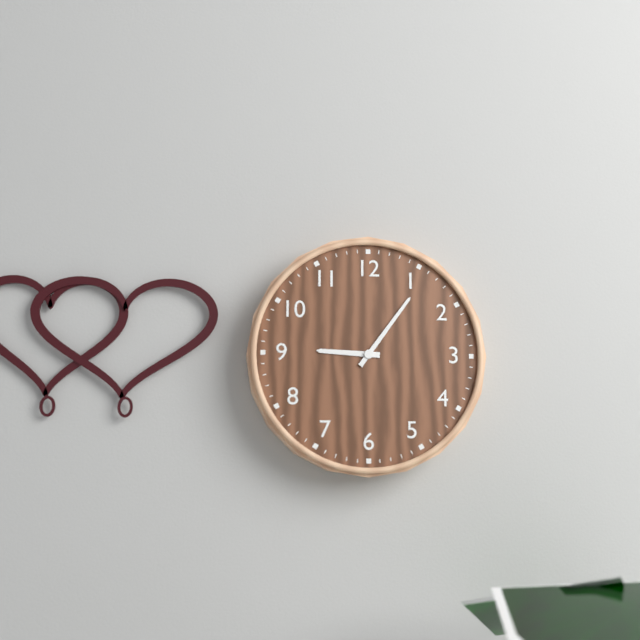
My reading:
h=9 m=6
